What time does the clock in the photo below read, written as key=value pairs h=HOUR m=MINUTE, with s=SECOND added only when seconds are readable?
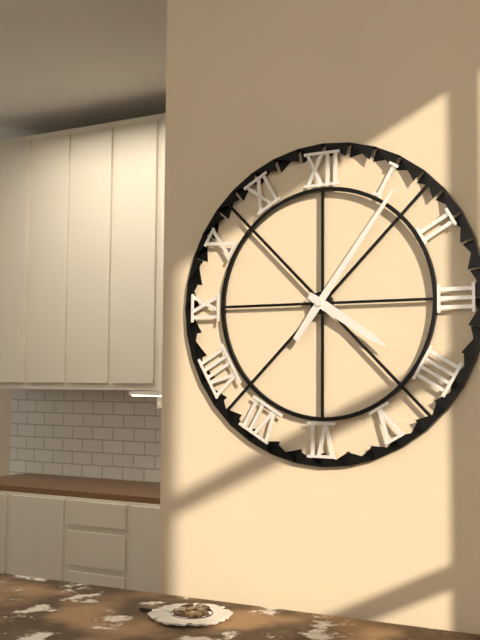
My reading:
h=4 m=6
